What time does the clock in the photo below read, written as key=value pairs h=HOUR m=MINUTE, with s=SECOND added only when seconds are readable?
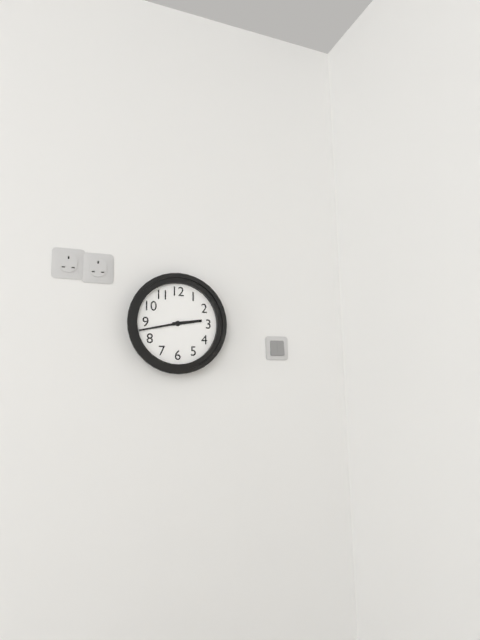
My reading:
h=2 m=43
